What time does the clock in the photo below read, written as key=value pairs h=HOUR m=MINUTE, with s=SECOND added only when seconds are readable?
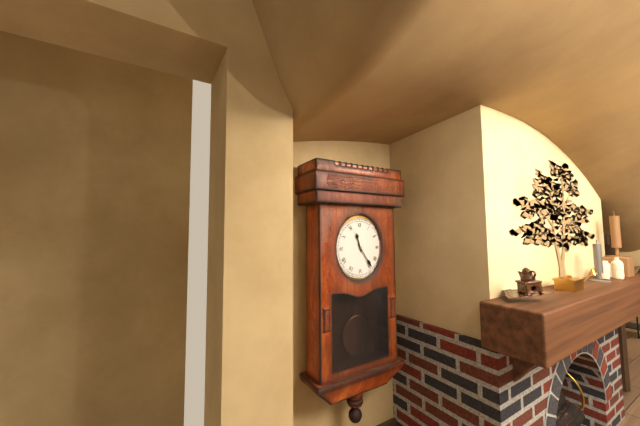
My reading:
h=11 m=24
